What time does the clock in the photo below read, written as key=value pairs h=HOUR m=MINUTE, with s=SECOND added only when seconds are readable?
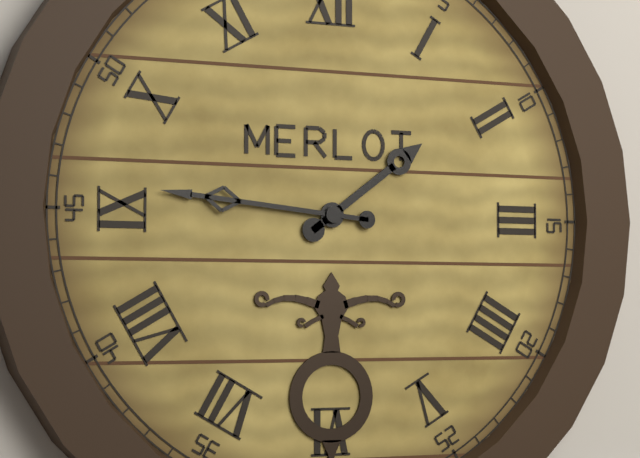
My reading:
h=1 m=46
